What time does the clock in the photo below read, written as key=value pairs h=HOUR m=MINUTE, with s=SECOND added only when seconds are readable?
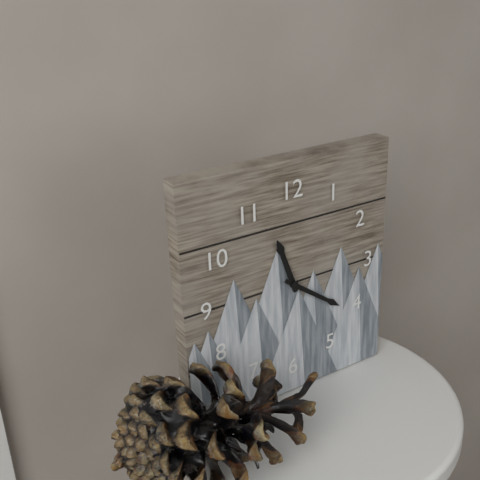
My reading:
h=11 m=21
